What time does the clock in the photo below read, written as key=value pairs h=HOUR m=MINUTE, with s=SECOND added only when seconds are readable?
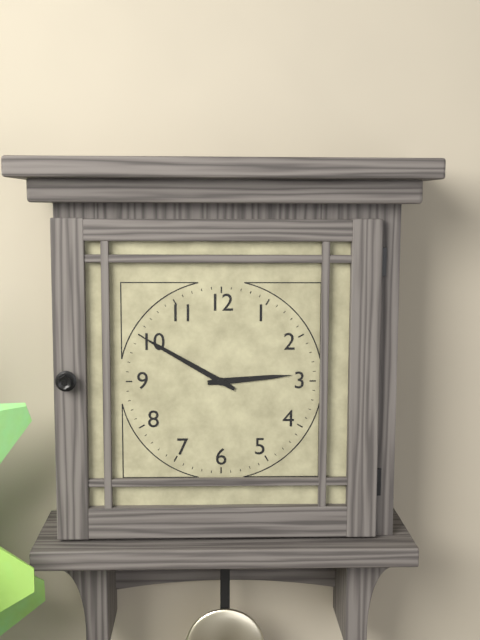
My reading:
h=2 m=50
